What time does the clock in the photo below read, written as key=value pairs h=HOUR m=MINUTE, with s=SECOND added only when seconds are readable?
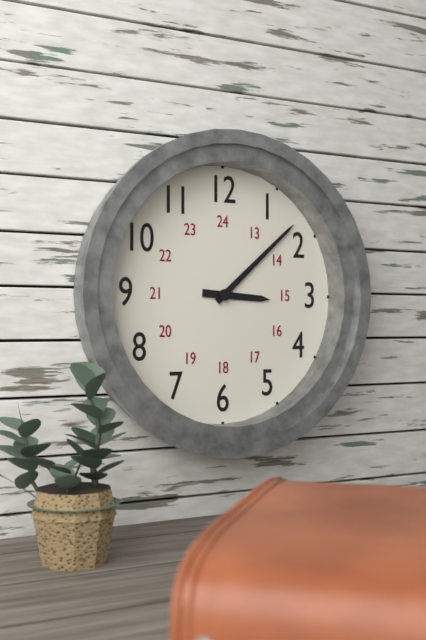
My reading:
h=3 m=8
